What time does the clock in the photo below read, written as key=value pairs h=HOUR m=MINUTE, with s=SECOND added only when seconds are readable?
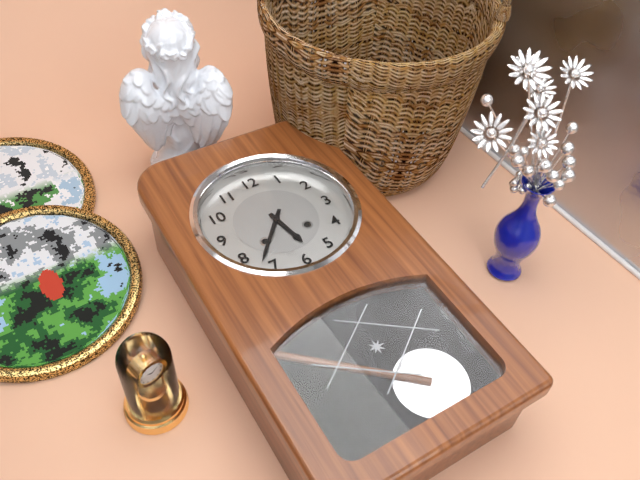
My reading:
h=5 m=37
